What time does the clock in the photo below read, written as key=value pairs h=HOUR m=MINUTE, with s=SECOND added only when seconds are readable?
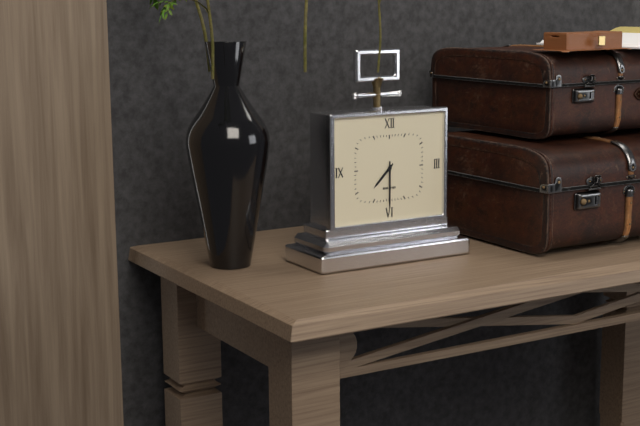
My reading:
h=7 m=30
